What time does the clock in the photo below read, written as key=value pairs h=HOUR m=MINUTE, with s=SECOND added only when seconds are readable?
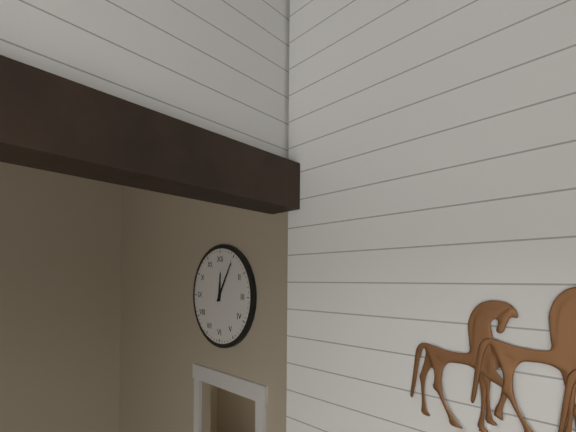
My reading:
h=12 m=5
